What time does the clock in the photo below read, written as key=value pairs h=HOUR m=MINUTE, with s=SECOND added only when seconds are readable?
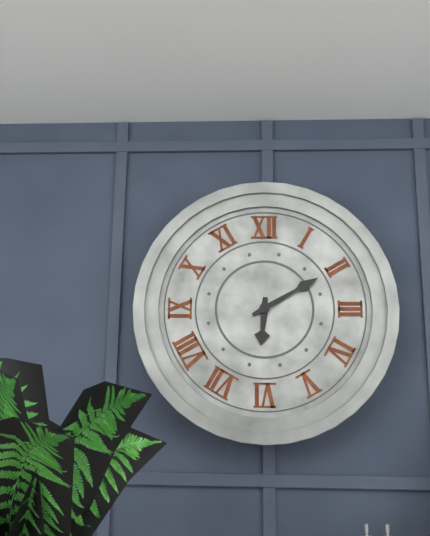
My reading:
h=6 m=10
